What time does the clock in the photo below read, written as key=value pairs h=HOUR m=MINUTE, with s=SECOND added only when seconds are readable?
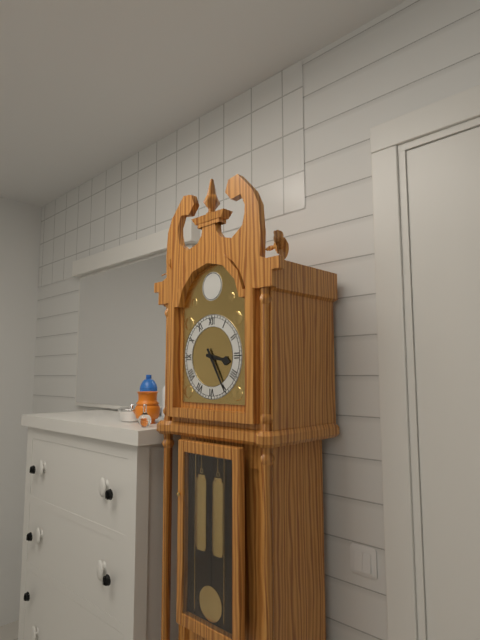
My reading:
h=3 m=25
